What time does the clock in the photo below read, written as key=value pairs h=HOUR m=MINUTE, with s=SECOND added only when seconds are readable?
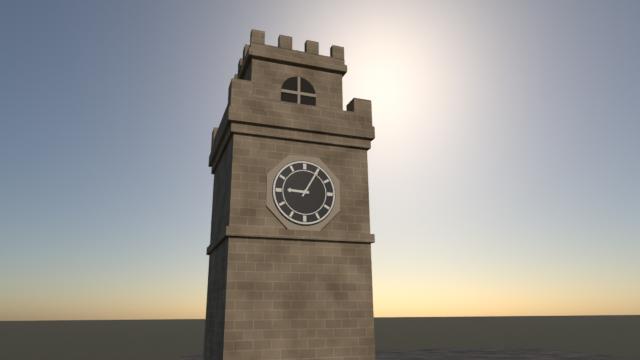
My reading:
h=9 m=5
